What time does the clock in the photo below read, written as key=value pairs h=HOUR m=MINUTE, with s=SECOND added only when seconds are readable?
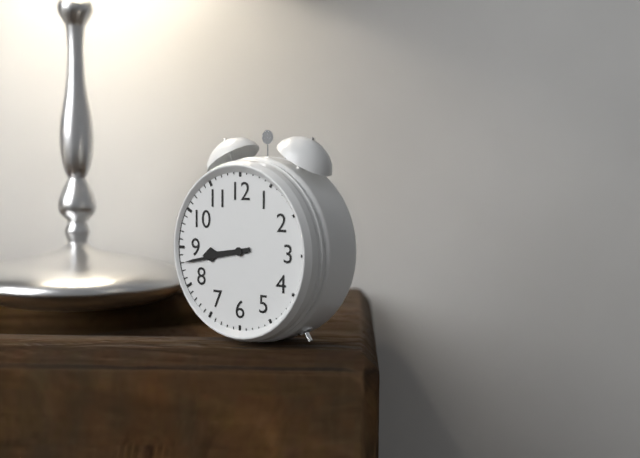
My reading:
h=8 m=43
